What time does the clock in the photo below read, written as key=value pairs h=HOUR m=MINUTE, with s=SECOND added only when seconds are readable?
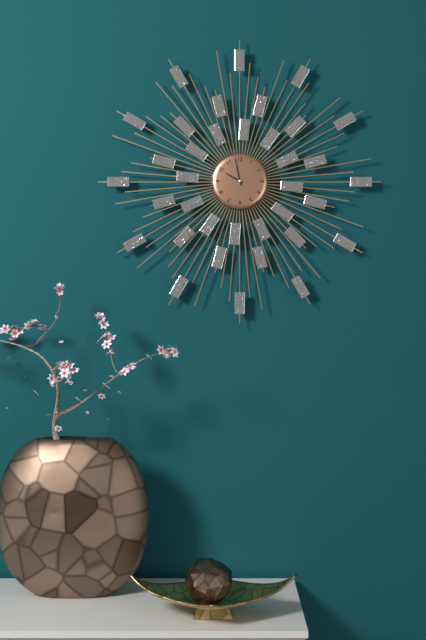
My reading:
h=9 m=58
